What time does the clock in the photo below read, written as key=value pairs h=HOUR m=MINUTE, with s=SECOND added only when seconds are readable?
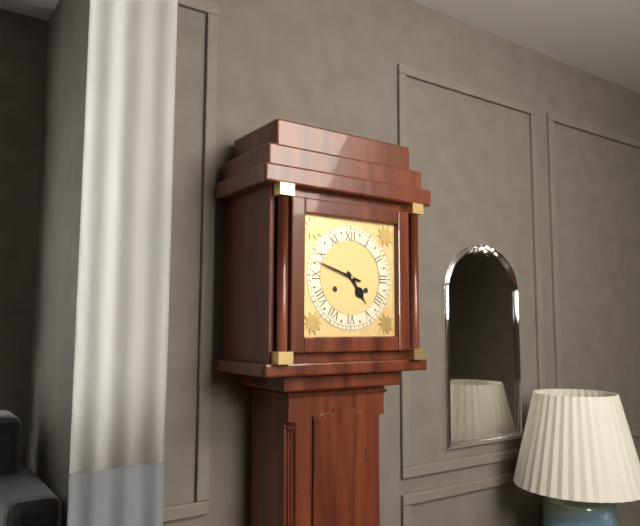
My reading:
h=4 m=48
